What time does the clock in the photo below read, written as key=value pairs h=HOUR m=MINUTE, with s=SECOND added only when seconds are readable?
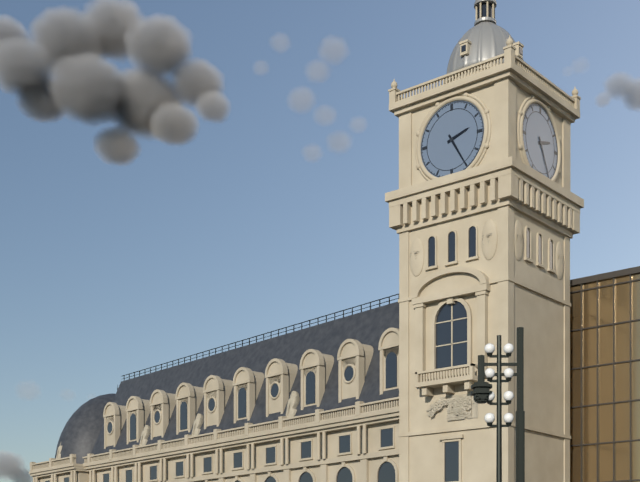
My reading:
h=2 m=25
